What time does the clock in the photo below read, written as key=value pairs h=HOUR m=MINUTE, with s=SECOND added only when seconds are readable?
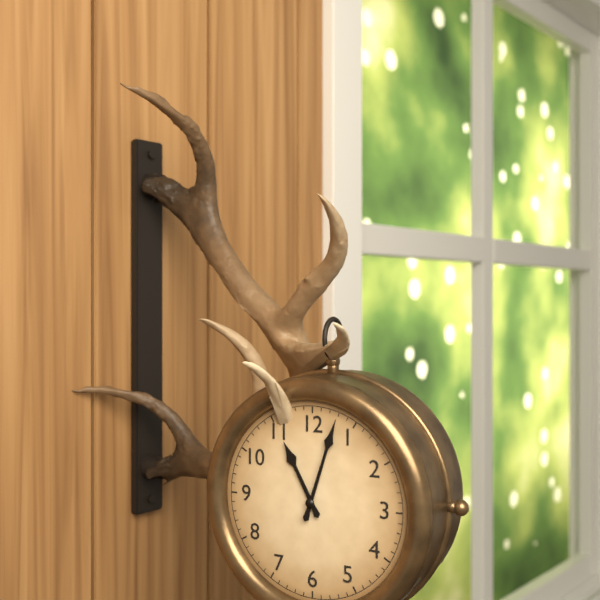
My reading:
h=11 m=3
